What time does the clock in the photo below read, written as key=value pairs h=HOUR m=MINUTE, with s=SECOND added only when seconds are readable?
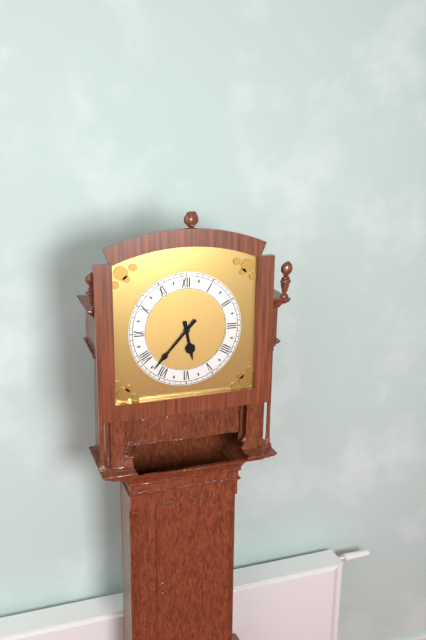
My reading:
h=5 m=37
